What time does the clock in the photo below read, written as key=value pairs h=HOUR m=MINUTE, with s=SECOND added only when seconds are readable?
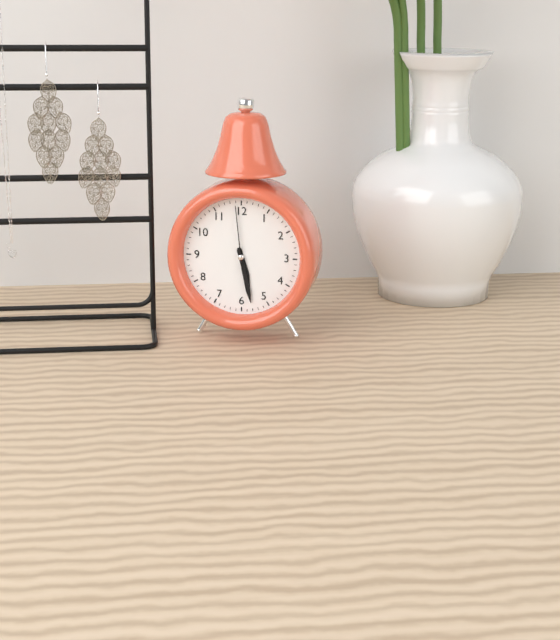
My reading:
h=5 m=28 s=59
